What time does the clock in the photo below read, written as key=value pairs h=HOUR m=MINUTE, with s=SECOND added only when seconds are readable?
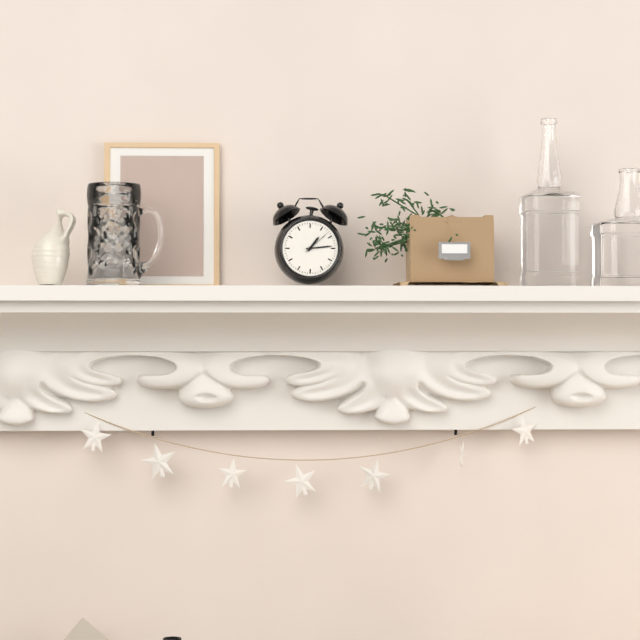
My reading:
h=1 m=14
